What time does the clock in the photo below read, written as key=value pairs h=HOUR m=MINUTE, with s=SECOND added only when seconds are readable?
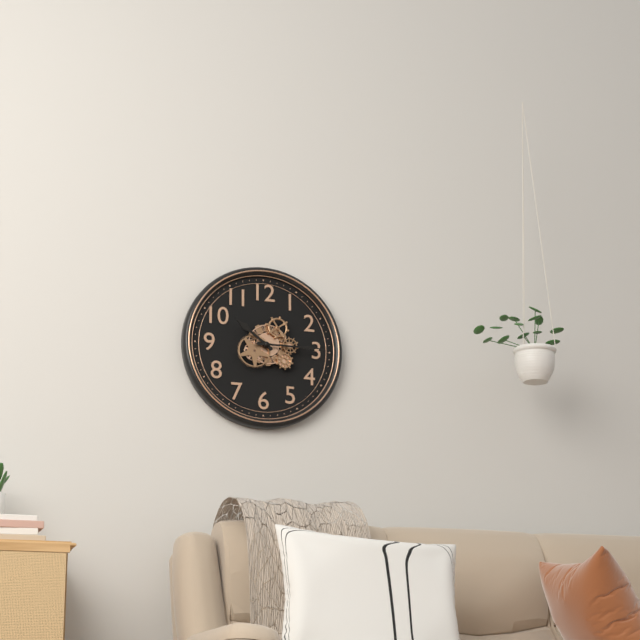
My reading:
h=10 m=15
